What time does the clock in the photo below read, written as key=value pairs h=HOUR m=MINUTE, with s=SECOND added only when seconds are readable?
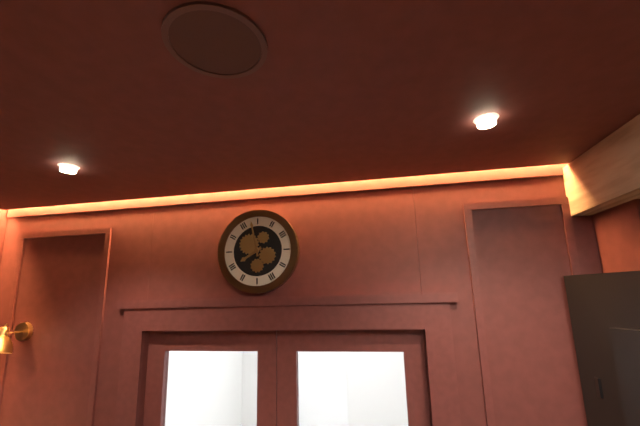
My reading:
h=7 m=58
